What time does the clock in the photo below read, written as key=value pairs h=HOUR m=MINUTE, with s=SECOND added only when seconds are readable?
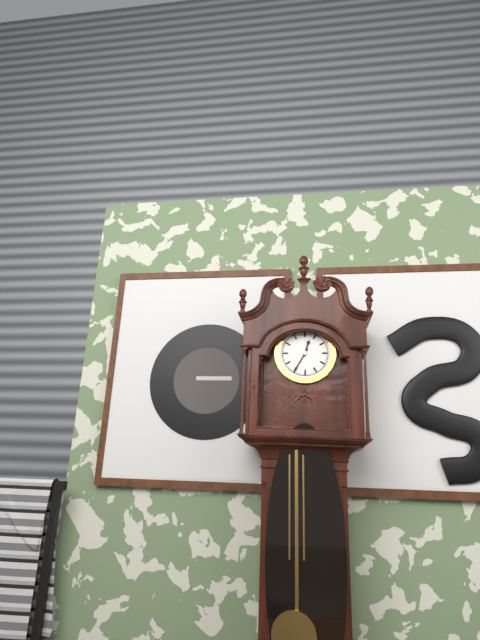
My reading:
h=12 m=35
